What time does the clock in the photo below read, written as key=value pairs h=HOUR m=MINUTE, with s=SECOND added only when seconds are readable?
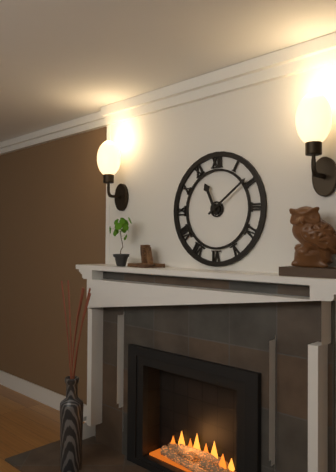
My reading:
h=11 m=9
